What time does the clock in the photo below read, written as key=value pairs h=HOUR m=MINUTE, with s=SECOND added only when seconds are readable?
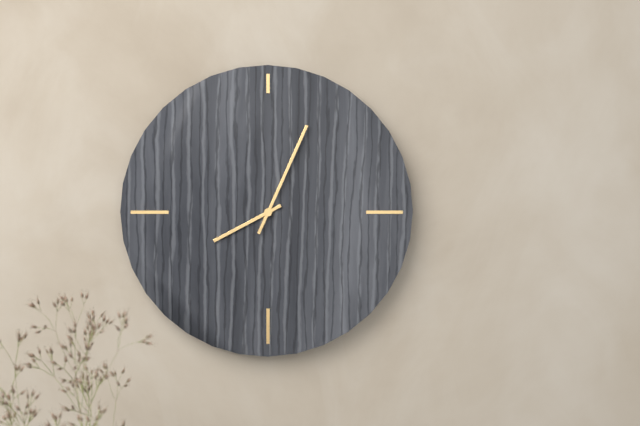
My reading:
h=8 m=4
